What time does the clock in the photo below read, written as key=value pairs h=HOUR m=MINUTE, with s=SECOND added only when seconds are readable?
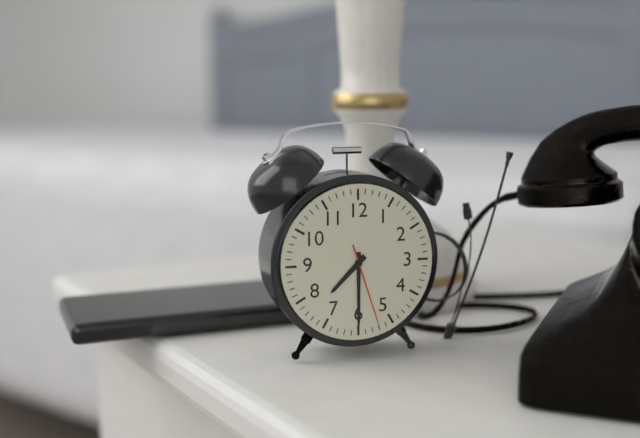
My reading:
h=7 m=30 s=27
